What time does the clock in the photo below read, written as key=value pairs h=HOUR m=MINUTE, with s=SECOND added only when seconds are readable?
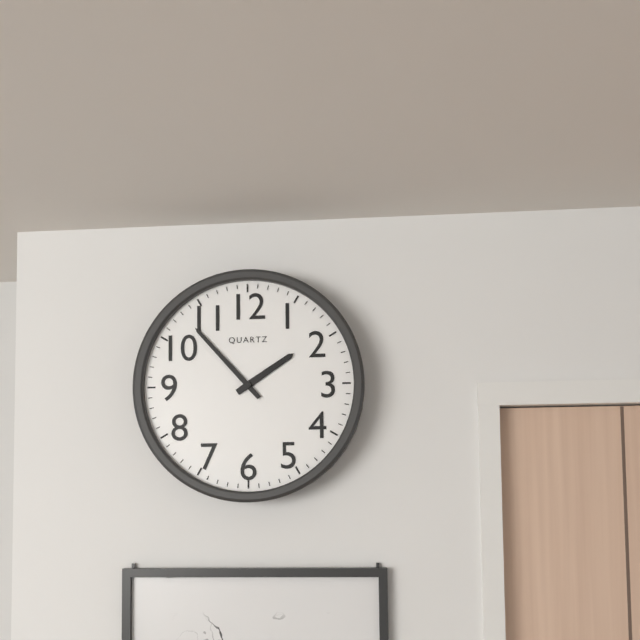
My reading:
h=1 m=53
